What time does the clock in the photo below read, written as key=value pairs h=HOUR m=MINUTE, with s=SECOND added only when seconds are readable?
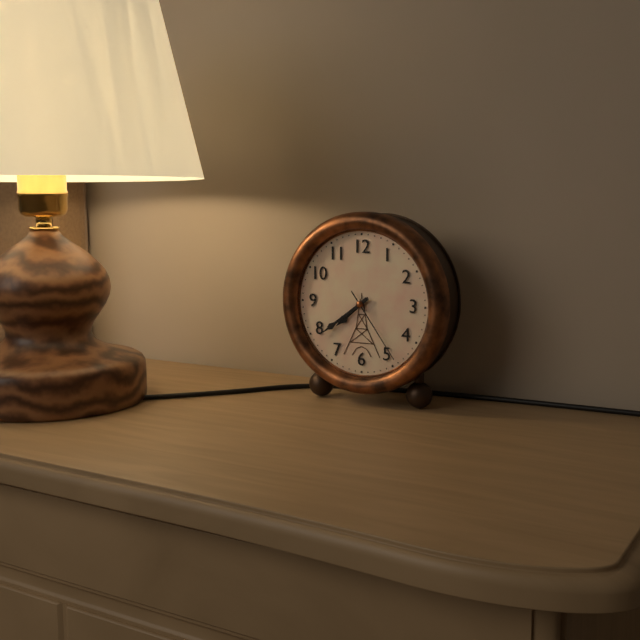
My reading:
h=7 m=39 s=24
